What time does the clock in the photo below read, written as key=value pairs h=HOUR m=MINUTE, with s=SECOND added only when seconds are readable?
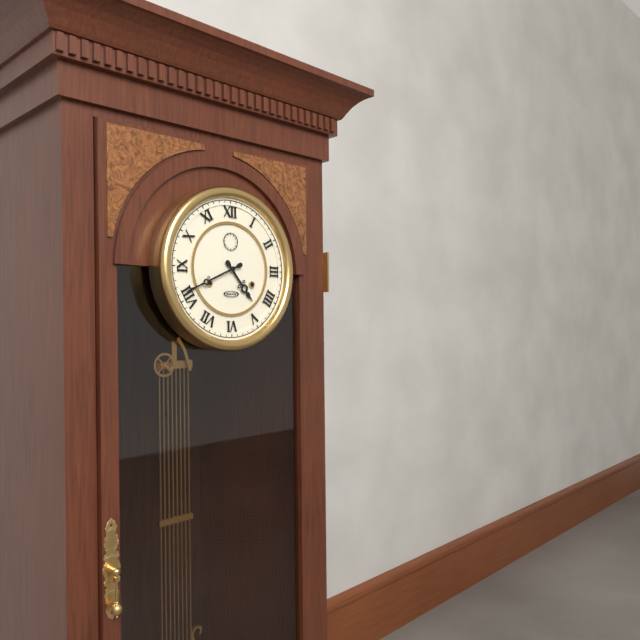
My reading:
h=4 m=41
